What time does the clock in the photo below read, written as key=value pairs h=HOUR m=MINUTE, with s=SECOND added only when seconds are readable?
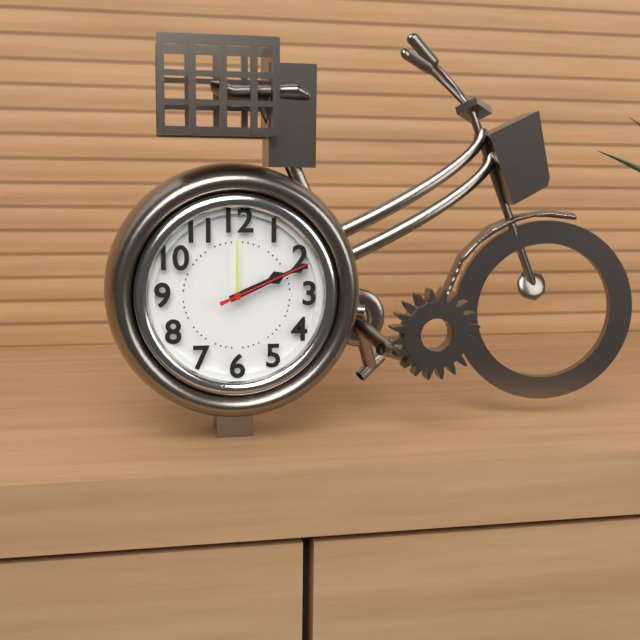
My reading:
h=2 m=11 s=11
